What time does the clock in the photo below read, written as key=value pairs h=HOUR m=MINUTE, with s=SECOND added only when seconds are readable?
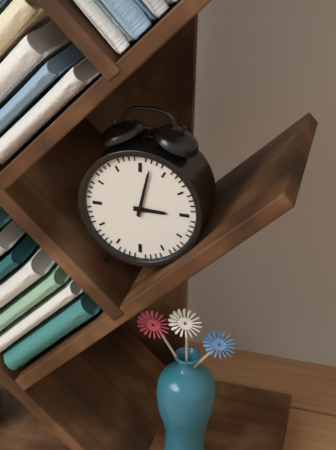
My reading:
h=3 m=2
